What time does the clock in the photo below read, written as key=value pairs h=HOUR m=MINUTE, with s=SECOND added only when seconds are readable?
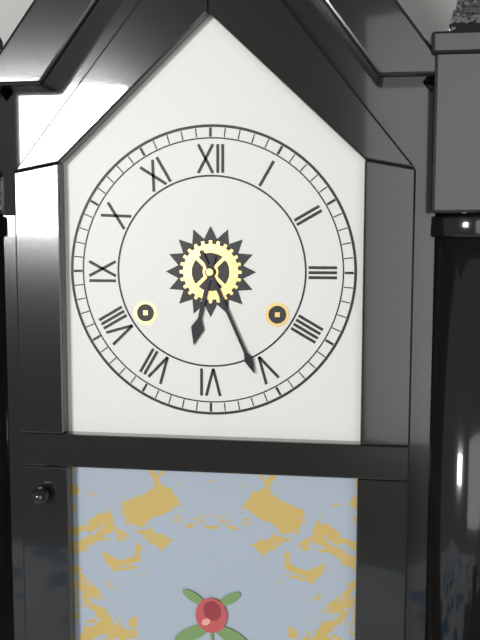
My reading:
h=6 m=26
